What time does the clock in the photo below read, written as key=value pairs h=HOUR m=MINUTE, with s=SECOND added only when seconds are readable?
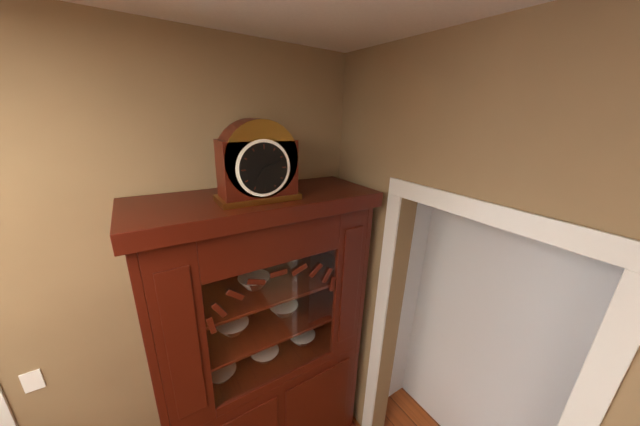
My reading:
h=7 m=11
